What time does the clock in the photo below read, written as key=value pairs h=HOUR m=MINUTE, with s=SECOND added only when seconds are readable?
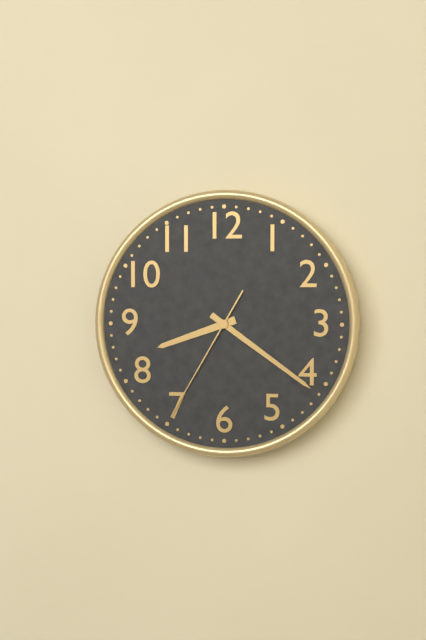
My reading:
h=8 m=21 s=35
